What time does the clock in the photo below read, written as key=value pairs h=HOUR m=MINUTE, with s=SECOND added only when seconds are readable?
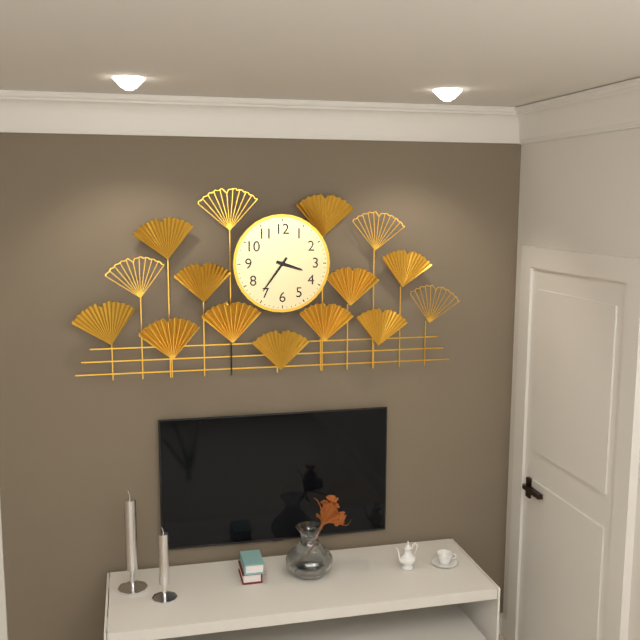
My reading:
h=3 m=36
